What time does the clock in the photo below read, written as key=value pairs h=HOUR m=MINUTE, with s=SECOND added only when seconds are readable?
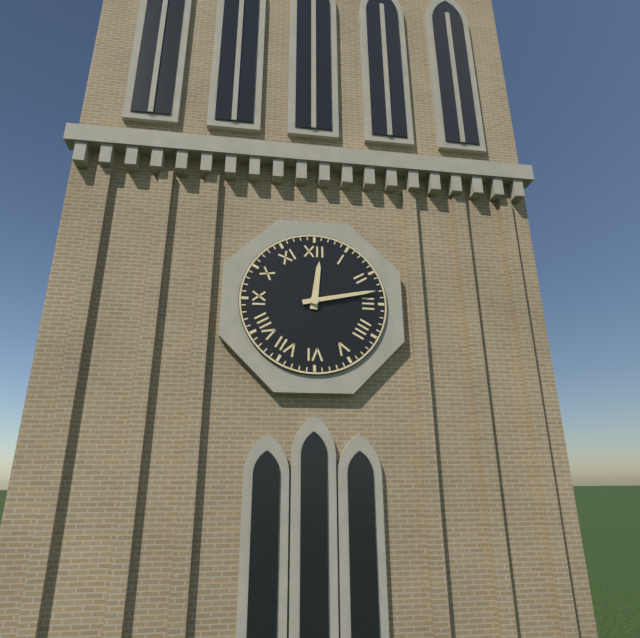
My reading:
h=12 m=13
